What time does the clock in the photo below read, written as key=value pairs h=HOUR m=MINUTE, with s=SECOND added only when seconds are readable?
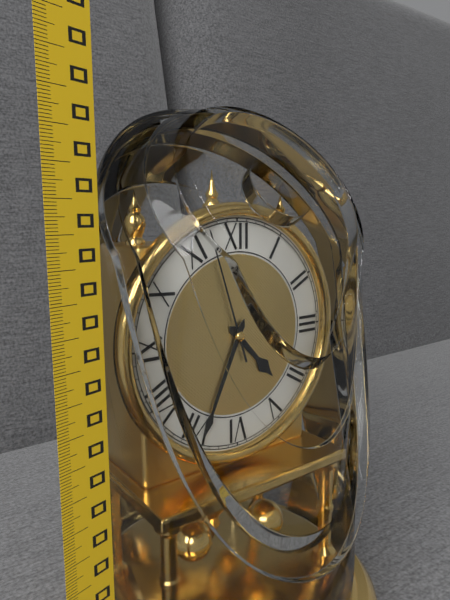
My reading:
h=4 m=34 s=57
